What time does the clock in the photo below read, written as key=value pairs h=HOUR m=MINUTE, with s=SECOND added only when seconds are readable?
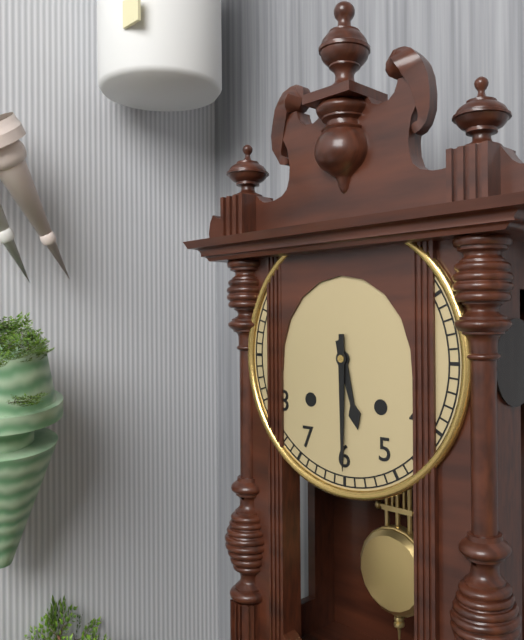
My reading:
h=5 m=30
